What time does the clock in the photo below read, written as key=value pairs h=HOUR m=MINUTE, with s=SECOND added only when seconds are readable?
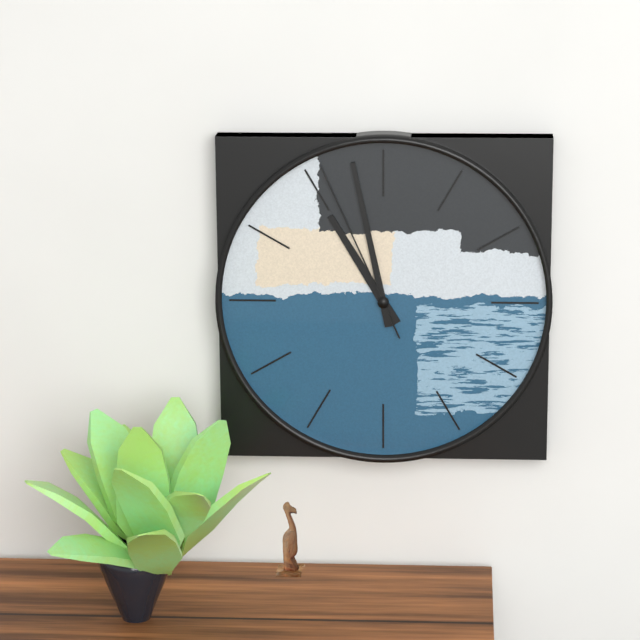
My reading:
h=10 m=58 s=56
